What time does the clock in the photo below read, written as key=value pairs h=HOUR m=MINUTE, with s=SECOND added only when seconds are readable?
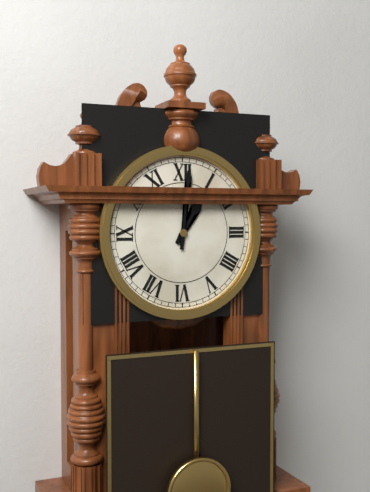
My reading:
h=1 m=1
